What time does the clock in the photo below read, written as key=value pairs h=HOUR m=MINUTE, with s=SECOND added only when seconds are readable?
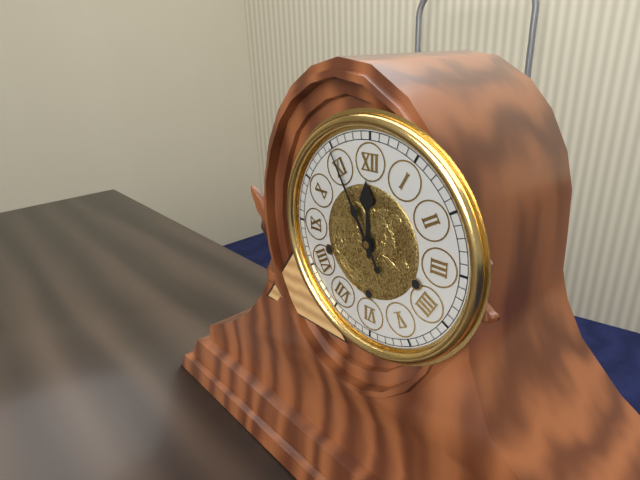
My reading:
h=11 m=55
